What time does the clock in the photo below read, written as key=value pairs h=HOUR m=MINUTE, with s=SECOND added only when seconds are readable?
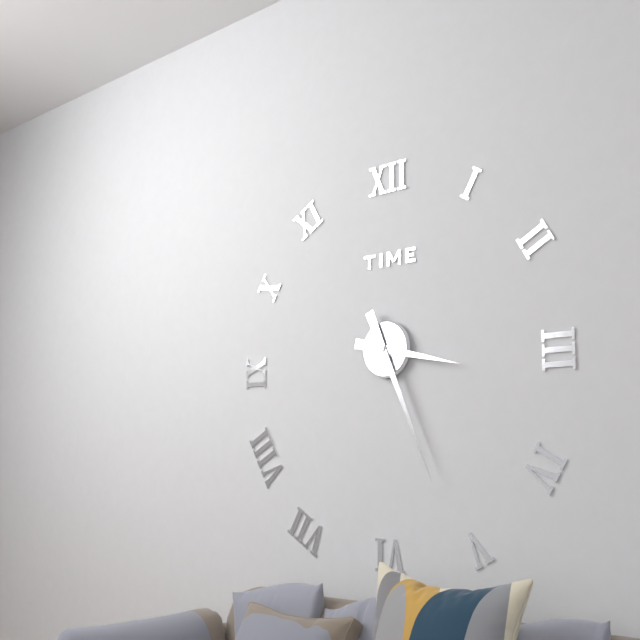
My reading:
h=3 m=26
